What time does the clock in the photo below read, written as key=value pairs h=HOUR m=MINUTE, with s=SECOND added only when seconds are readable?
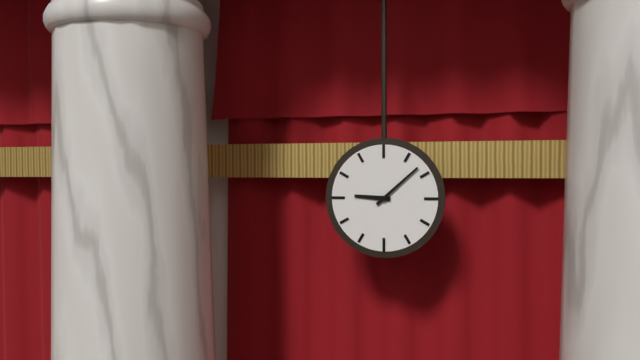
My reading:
h=9 m=8
